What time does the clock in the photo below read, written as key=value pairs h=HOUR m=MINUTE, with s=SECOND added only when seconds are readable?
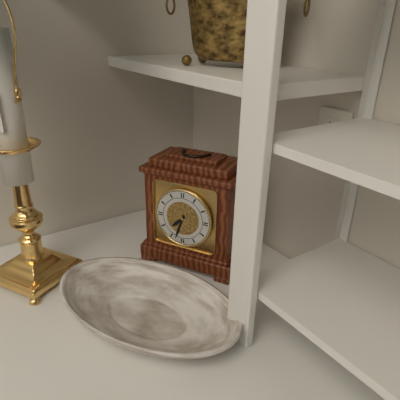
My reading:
h=7 m=33
